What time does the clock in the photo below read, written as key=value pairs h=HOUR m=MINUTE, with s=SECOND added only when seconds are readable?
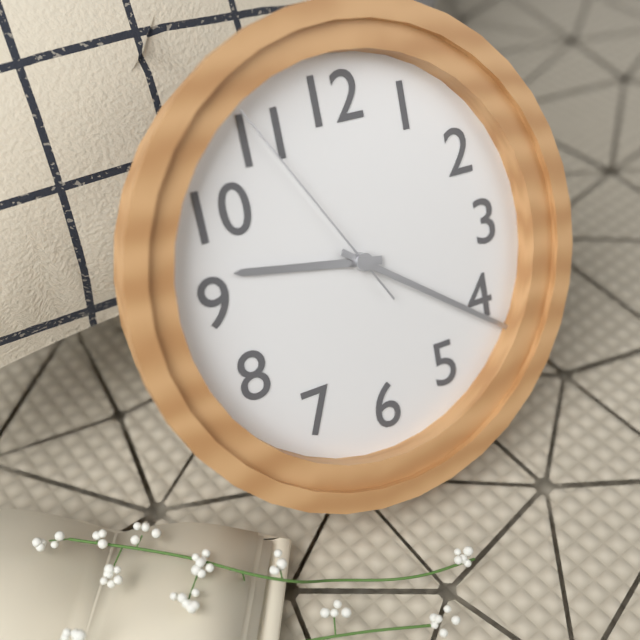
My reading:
h=9 m=21 s=55
